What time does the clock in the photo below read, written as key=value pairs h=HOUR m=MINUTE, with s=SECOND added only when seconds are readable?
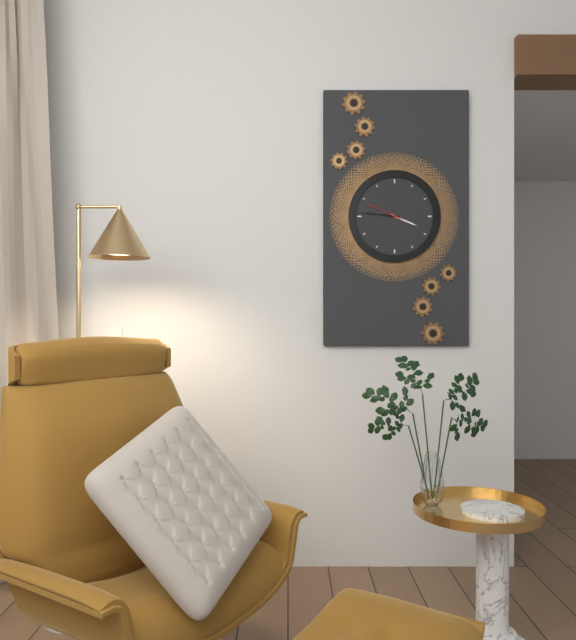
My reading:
h=3 m=46
